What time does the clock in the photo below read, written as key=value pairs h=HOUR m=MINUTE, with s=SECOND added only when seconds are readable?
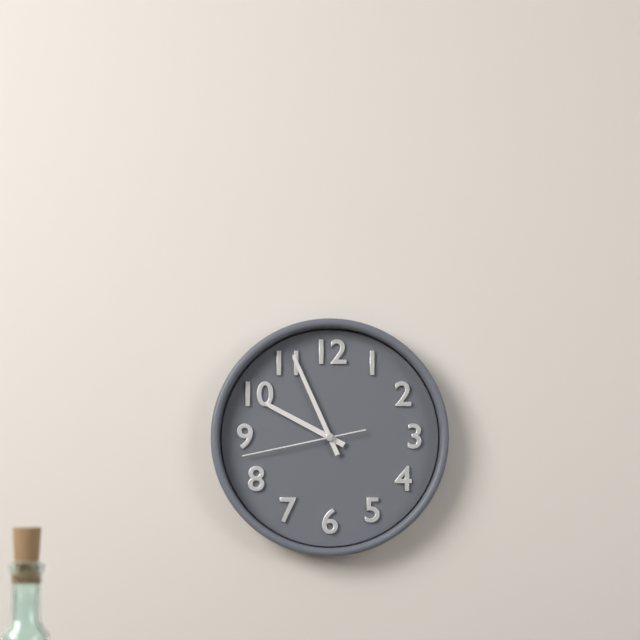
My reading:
h=9 m=56 s=43
